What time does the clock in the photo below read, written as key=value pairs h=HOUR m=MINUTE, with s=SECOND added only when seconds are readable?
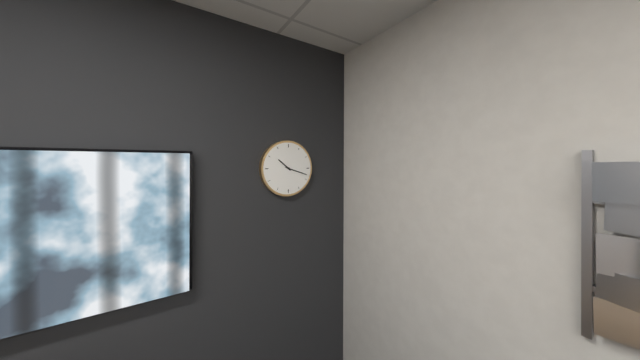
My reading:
h=10 m=18
